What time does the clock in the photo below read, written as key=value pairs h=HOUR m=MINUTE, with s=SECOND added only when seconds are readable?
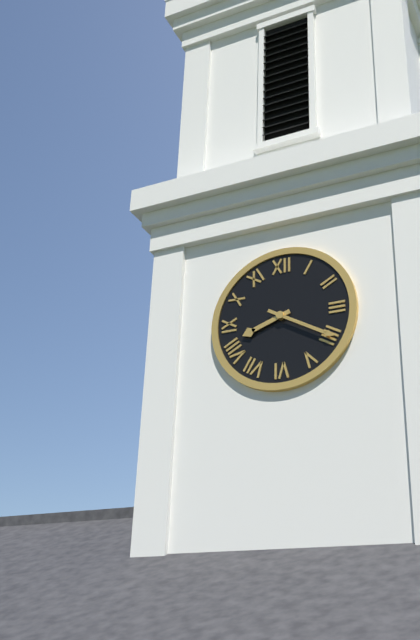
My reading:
h=8 m=20
